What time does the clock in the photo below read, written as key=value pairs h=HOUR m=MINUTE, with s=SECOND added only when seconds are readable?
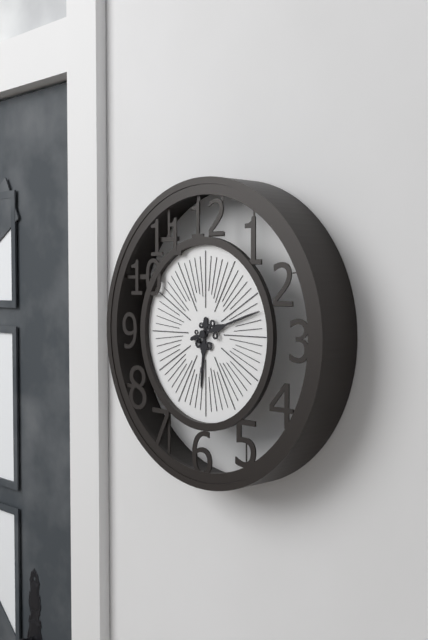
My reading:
h=6 m=12
